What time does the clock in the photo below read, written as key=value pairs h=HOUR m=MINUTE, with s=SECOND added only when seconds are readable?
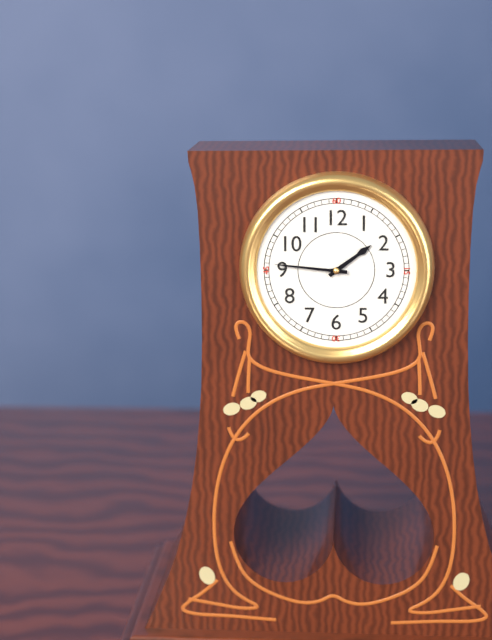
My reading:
h=1 m=46
